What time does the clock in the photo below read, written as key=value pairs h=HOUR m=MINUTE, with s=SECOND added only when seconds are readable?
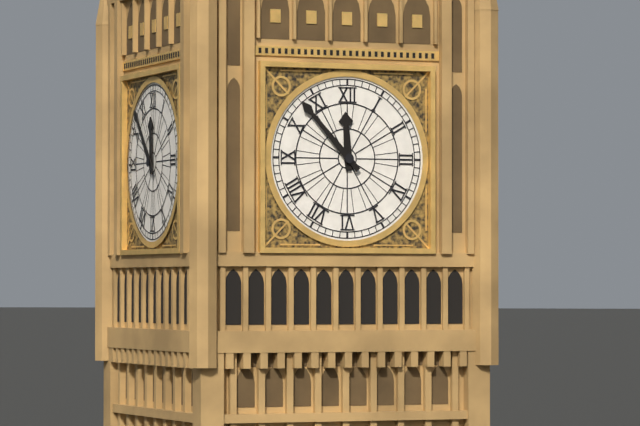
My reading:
h=11 m=53
